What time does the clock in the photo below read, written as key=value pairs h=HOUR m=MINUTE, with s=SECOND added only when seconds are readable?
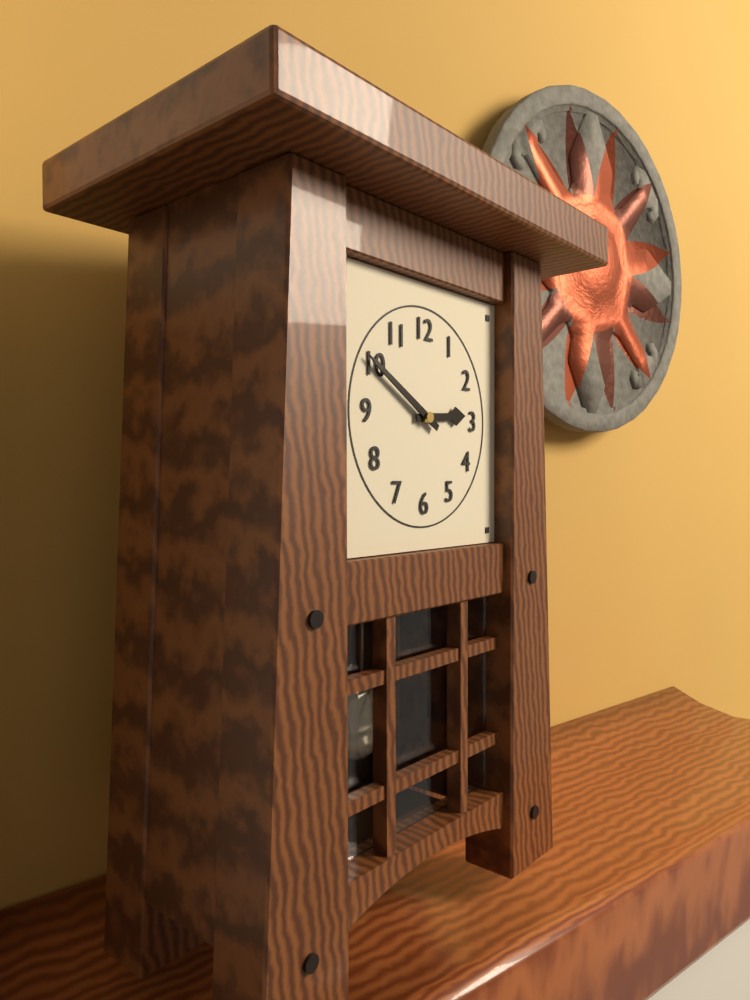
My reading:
h=2 m=50
